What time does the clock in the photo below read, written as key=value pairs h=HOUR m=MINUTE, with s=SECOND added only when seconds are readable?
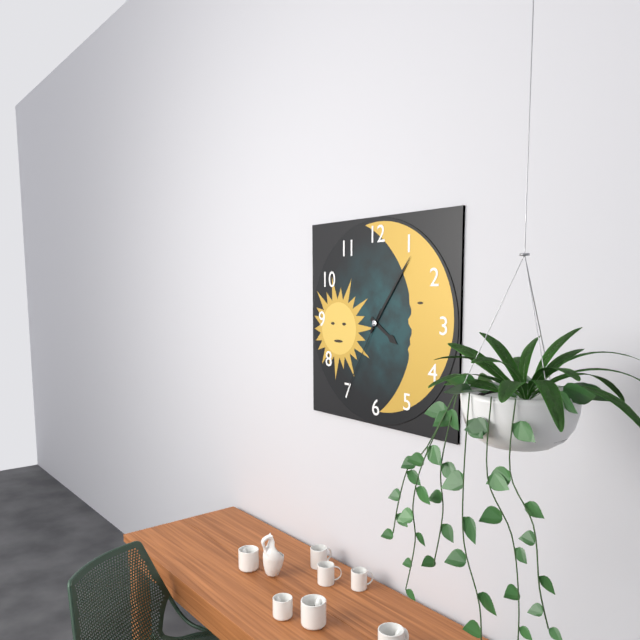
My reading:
h=4 m=6 s=35
